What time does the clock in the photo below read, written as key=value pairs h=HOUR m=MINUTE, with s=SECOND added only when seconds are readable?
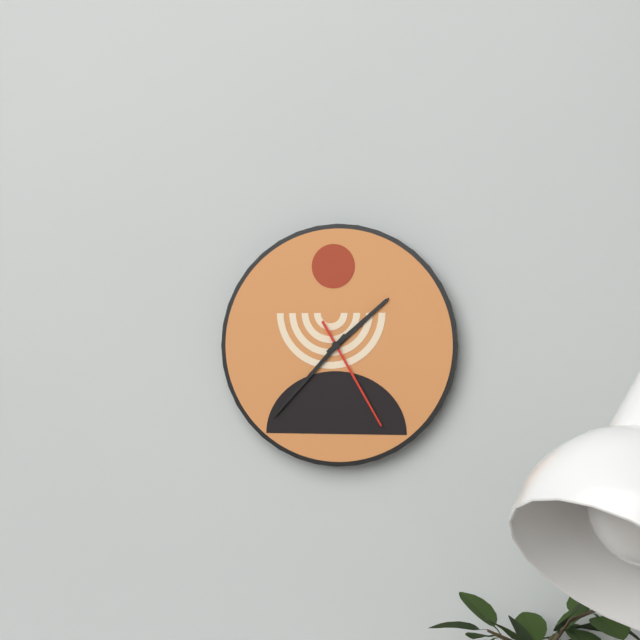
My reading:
h=1 m=37 s=25
